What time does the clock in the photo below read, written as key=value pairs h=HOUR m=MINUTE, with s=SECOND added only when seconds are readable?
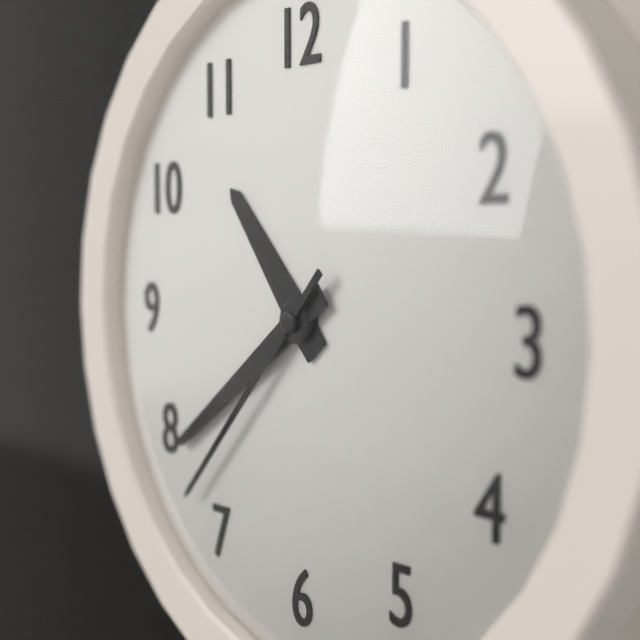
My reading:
h=10 m=39 s=37
